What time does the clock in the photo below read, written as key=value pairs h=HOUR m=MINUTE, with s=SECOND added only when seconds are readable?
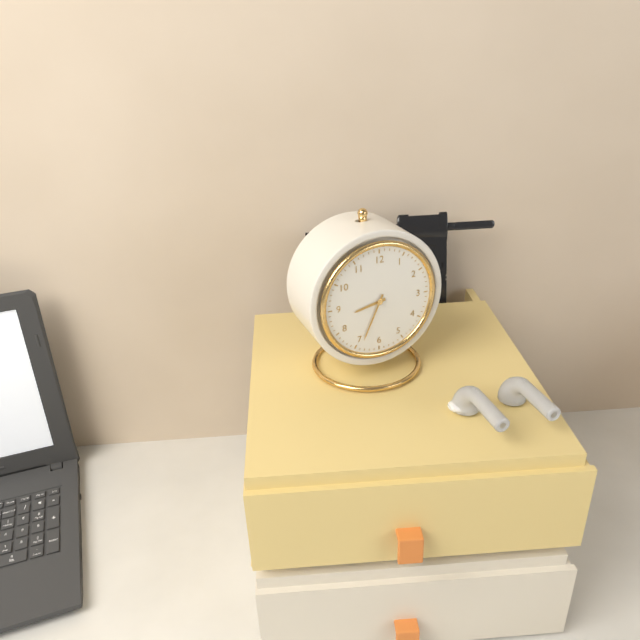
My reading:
h=8 m=34
